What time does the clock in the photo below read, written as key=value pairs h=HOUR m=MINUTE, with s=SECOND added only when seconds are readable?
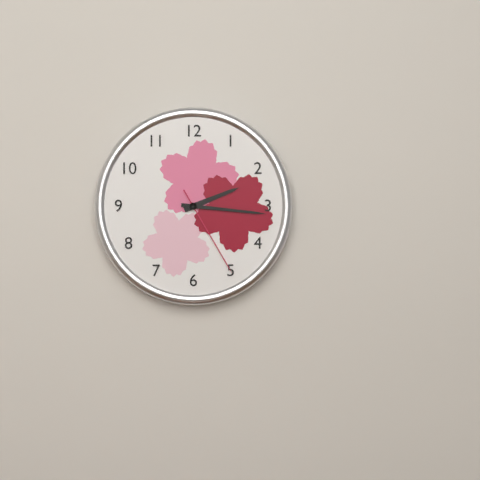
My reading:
h=2 m=16 s=25
